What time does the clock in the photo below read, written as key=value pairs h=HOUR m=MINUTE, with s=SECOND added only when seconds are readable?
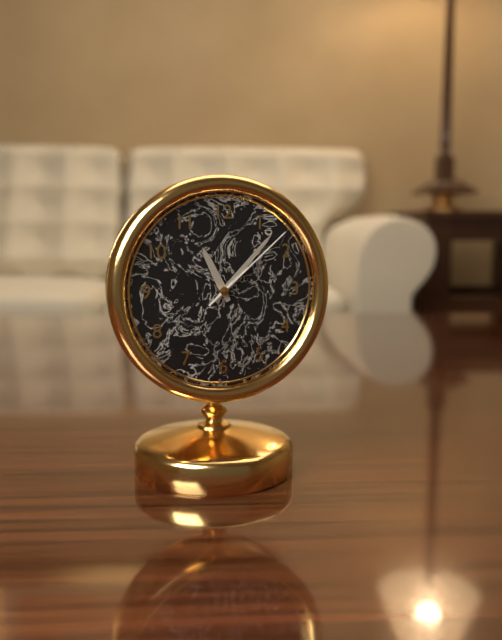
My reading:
h=11 m=7 s=8
